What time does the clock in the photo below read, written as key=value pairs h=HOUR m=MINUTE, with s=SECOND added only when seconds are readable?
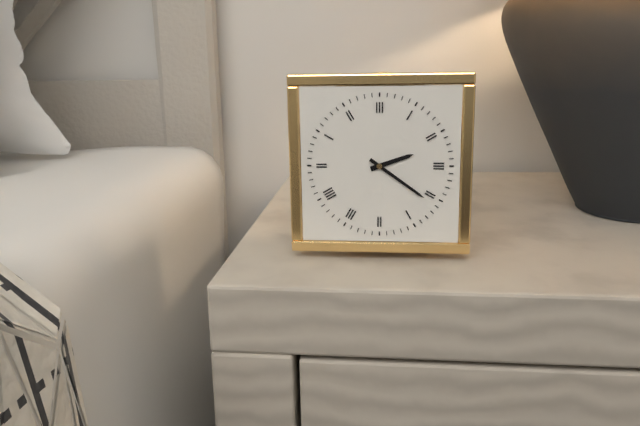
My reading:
h=2 m=21
